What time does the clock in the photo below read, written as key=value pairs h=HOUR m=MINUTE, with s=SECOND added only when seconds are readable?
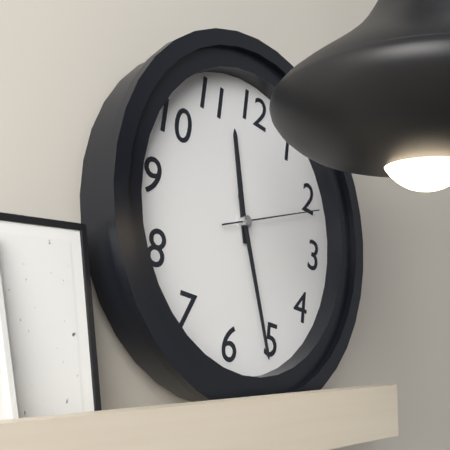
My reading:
h=11 m=26 s=11
